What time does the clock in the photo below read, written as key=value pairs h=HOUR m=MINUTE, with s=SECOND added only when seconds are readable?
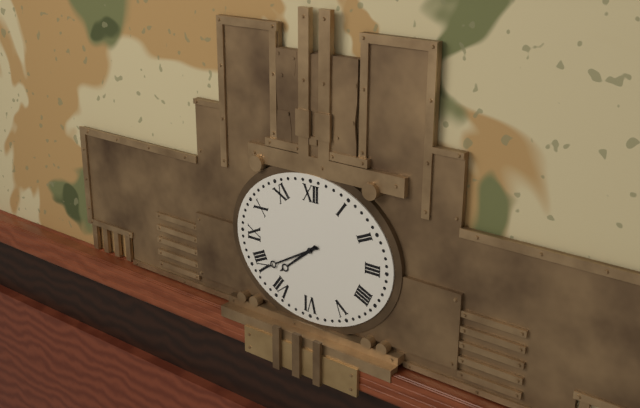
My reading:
h=7 m=40
